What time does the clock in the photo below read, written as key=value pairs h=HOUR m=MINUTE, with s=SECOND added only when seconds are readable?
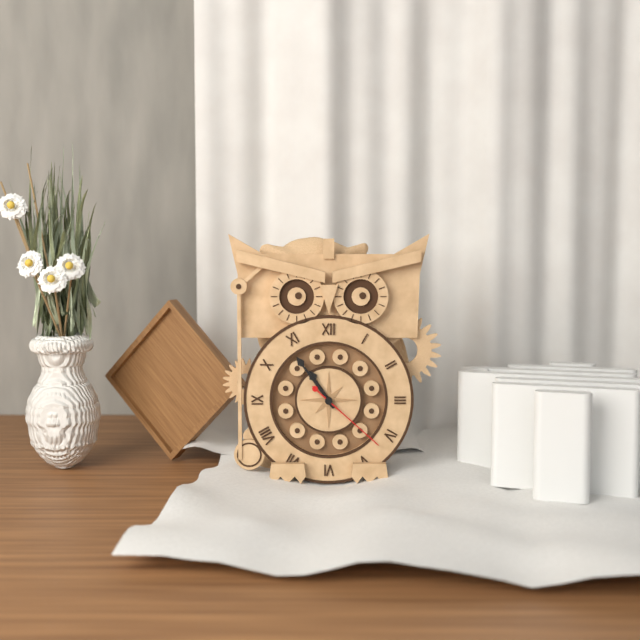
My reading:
h=10 m=54 s=22
